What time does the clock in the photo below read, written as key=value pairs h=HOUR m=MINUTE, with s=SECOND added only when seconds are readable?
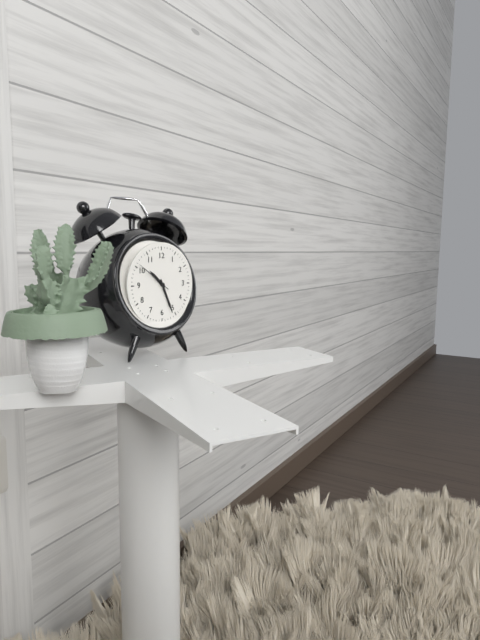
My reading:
h=10 m=26
